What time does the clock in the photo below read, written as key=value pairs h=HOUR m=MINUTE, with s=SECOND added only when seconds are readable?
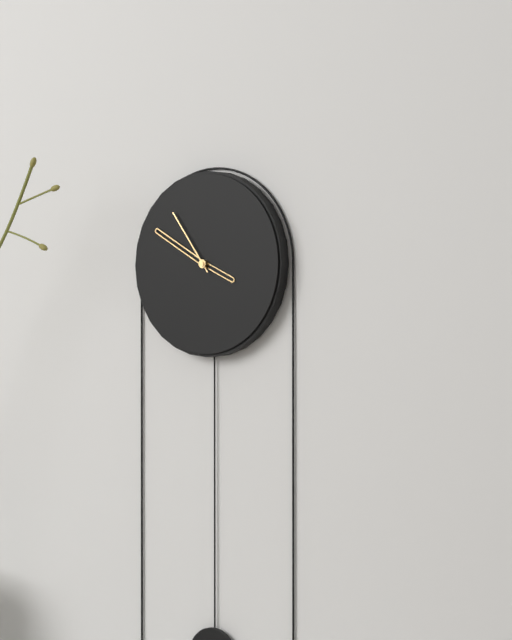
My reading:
h=3 m=50 s=54
